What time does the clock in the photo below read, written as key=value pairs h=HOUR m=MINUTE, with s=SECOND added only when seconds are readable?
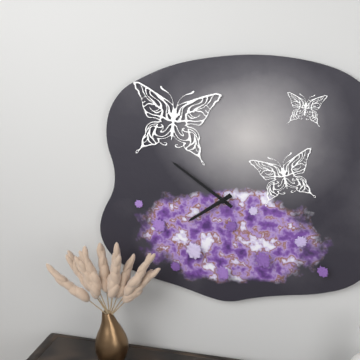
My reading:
h=7 m=51
